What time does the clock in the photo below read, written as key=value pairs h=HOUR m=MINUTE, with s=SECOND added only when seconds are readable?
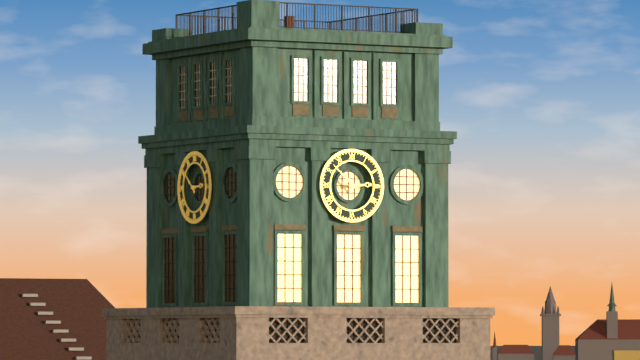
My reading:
h=2 m=52
